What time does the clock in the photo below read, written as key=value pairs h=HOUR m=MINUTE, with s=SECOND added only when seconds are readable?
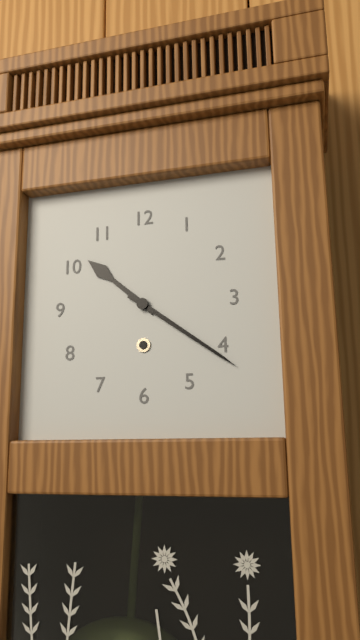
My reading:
h=10 m=21
